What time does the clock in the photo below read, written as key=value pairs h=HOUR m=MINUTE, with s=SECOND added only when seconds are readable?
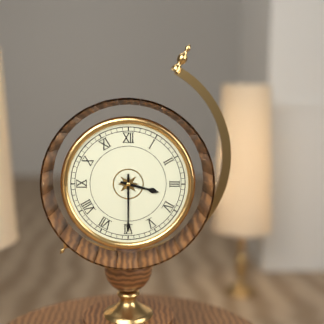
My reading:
h=3 m=30
